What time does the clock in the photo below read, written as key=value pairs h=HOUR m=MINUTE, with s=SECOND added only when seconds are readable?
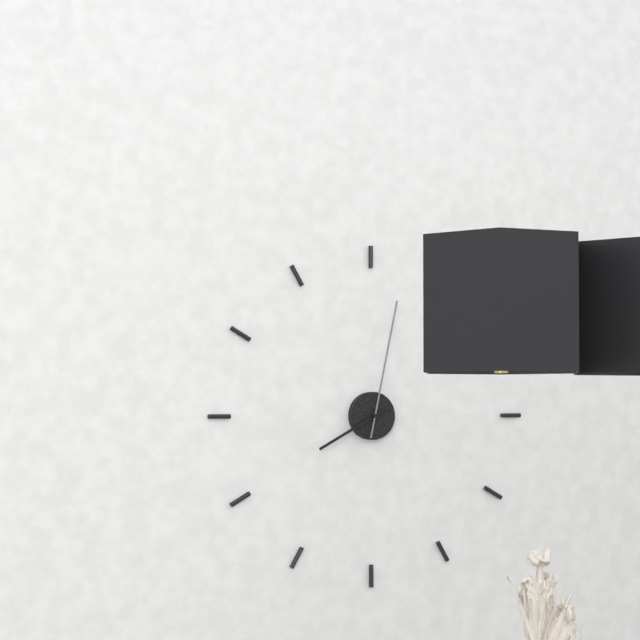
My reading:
h=8 m=2
